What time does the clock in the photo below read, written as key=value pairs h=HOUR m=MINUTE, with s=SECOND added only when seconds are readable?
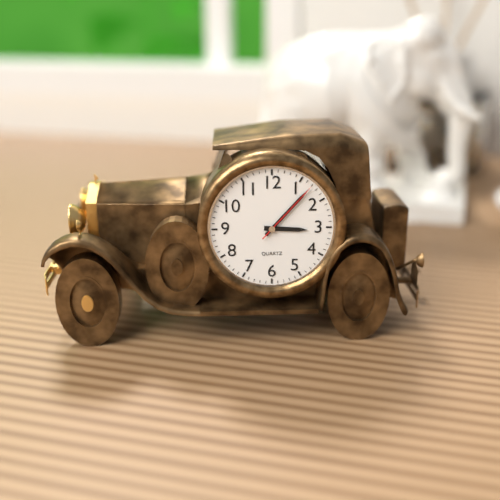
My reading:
h=3 m=7 s=7
